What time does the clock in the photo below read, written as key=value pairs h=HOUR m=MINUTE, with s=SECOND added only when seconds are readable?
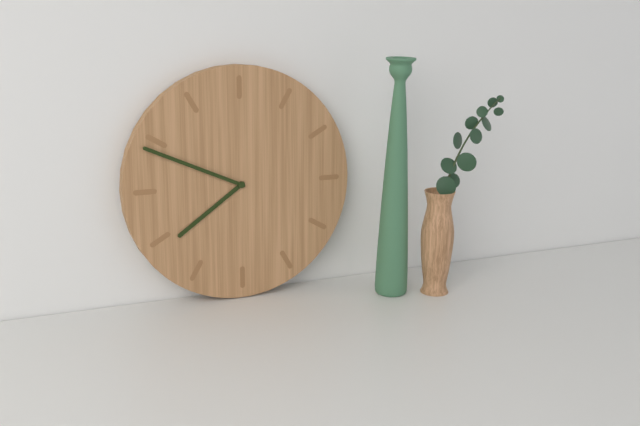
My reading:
h=7 m=49
